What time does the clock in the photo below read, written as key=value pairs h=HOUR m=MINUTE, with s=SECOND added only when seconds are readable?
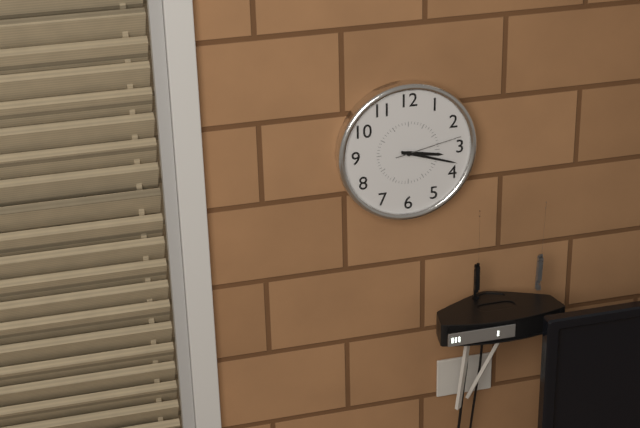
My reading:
h=3 m=18 s=13
